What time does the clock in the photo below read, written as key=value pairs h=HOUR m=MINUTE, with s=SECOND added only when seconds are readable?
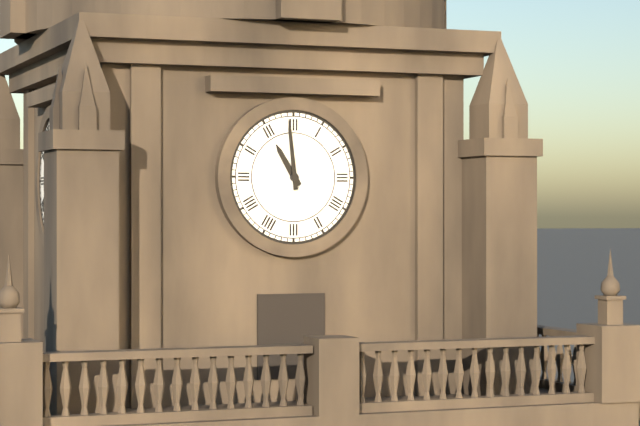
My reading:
h=10 m=59
